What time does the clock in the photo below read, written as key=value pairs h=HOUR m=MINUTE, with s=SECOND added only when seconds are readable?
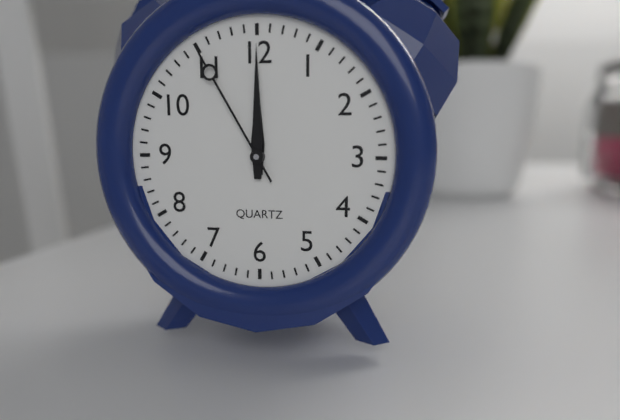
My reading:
h=12 m=0 s=55
